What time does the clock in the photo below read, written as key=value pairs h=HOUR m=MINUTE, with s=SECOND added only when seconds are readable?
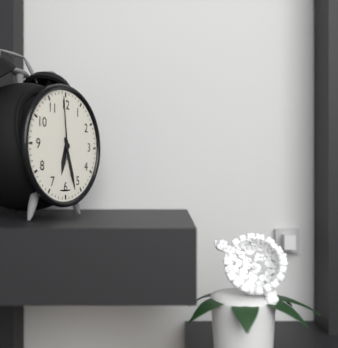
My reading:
h=6 m=27 s=59
